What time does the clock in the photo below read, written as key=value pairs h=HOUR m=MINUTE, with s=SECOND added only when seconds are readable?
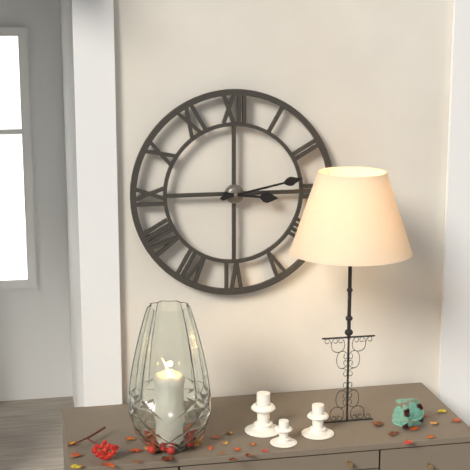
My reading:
h=3 m=13
